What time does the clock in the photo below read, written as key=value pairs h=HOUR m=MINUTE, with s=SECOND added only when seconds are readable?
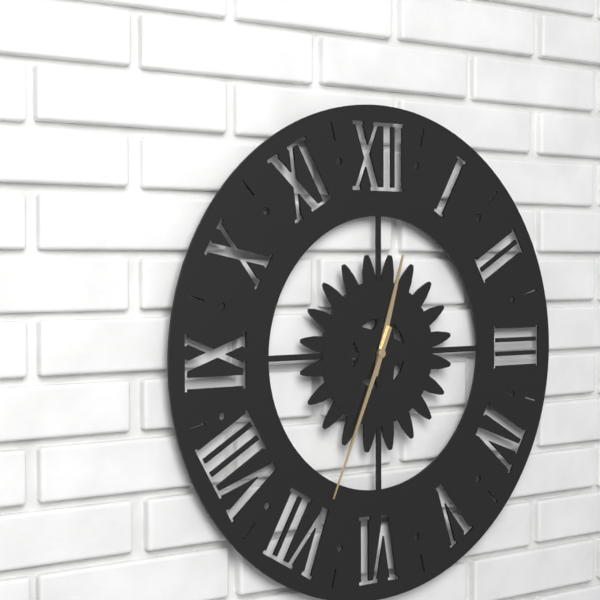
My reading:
h=12 m=34
